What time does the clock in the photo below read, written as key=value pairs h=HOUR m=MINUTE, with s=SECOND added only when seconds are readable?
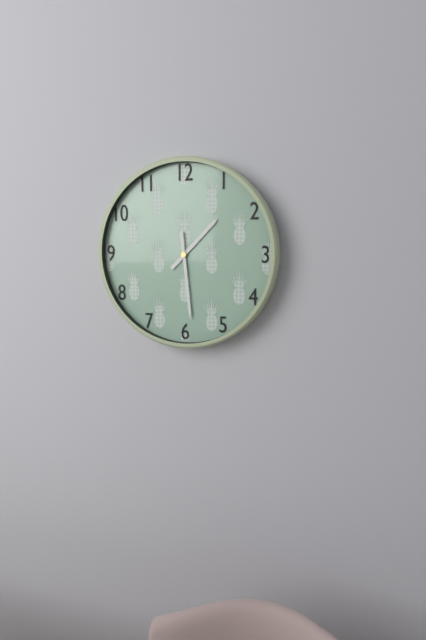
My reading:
h=1 m=29
